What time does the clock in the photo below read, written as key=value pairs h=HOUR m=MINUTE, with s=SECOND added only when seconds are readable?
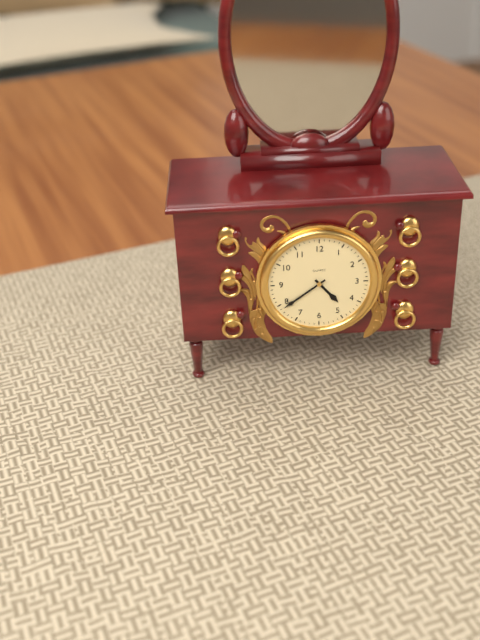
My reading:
h=4 m=39
